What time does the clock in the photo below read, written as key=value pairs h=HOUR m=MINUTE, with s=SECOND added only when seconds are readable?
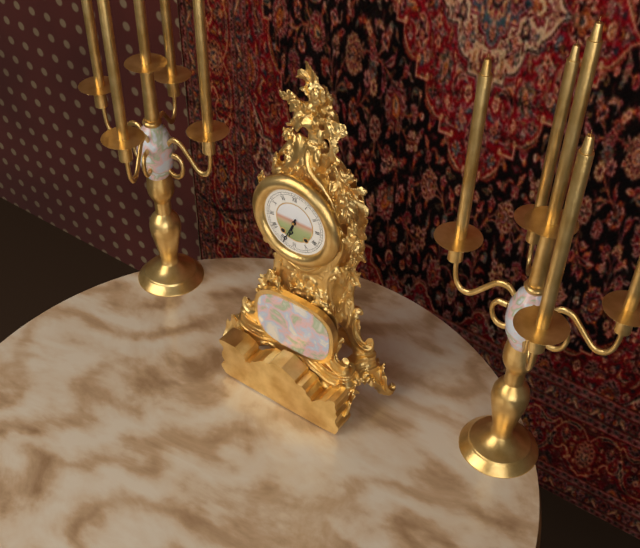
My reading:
h=6 m=34
